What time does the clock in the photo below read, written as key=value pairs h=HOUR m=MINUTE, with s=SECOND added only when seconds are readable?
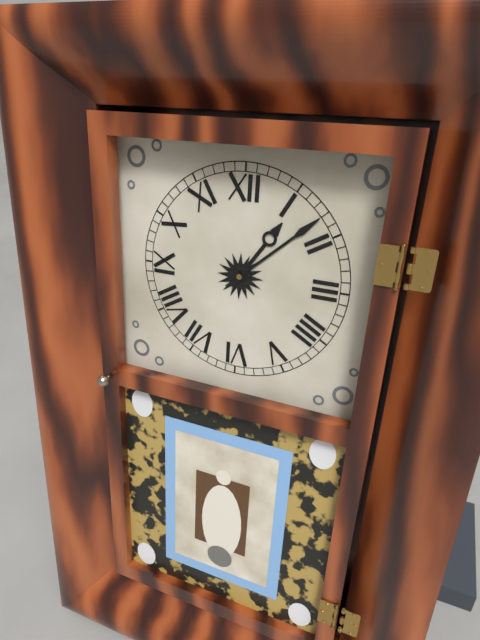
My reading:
h=1 m=8
